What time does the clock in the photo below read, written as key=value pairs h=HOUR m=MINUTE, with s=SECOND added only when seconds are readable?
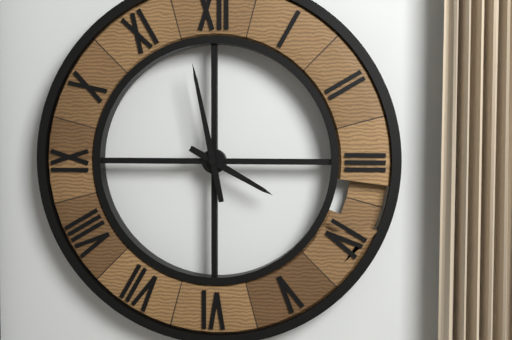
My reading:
h=3 m=58
